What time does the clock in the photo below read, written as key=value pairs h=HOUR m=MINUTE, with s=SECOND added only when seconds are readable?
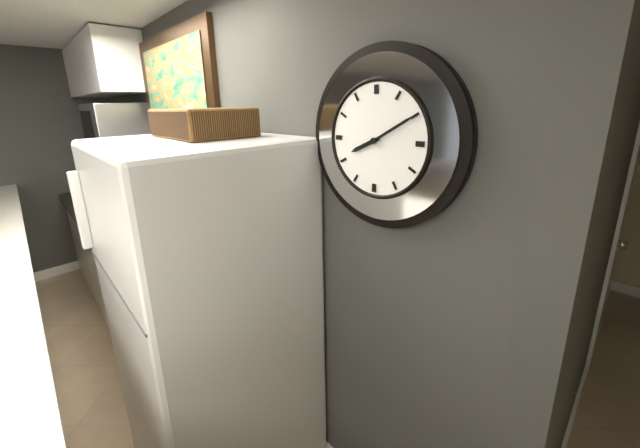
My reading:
h=8 m=10
